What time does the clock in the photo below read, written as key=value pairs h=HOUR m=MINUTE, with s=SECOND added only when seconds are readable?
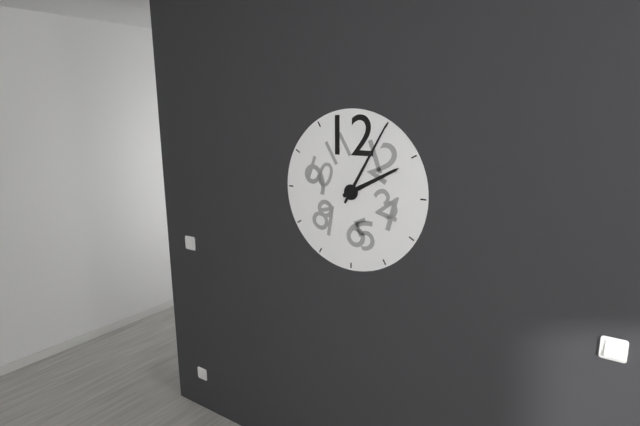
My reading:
h=2 m=5
